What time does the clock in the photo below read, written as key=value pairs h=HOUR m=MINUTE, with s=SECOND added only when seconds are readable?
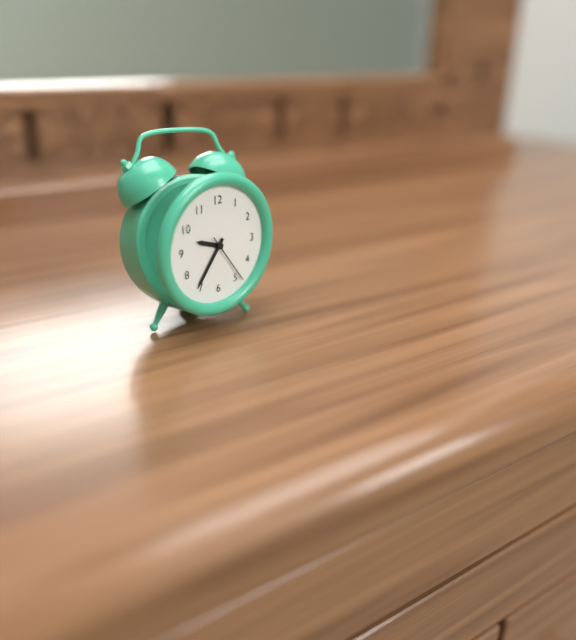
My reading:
h=9 m=36 s=24
